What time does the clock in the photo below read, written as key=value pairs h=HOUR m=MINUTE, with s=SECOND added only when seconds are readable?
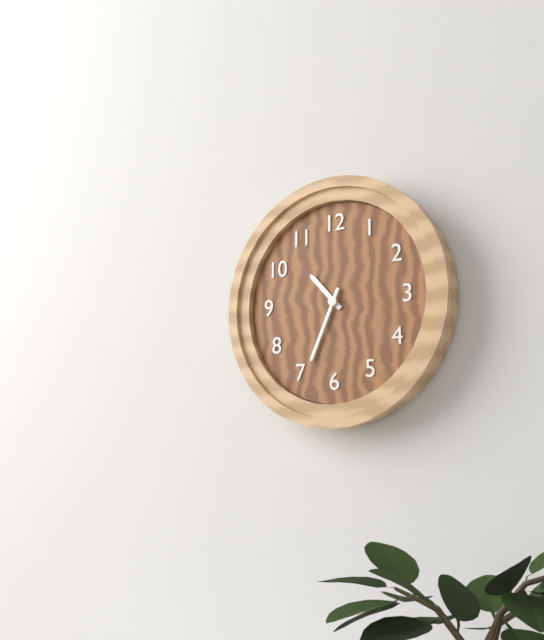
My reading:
h=10 m=34
